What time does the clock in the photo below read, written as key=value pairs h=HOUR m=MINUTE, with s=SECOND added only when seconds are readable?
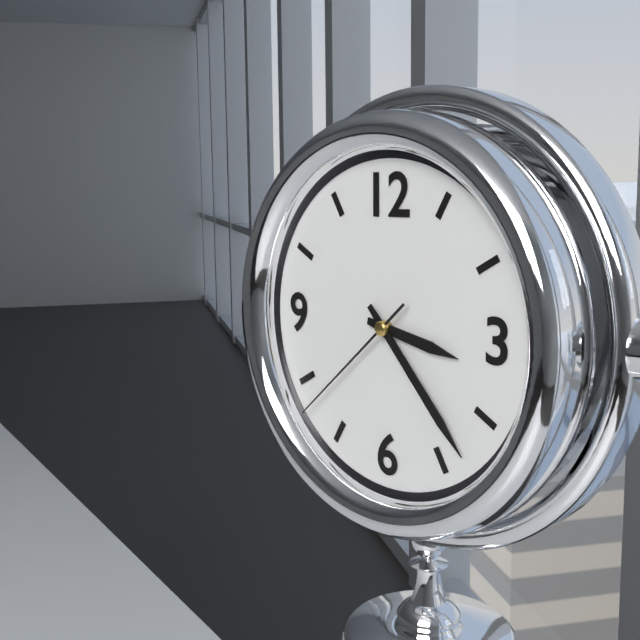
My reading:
h=3 m=23 s=38
